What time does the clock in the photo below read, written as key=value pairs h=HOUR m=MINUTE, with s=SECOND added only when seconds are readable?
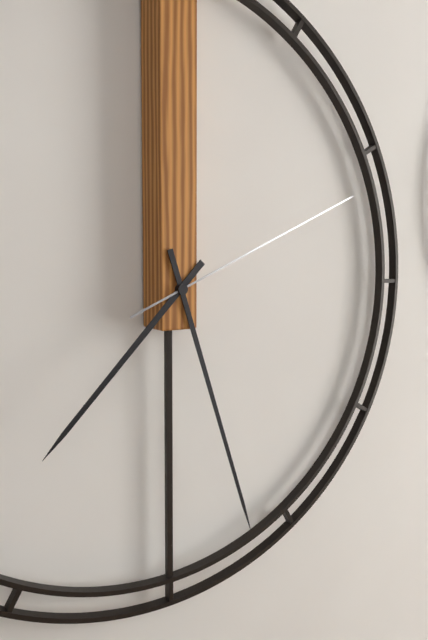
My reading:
h=7 m=27 s=11
